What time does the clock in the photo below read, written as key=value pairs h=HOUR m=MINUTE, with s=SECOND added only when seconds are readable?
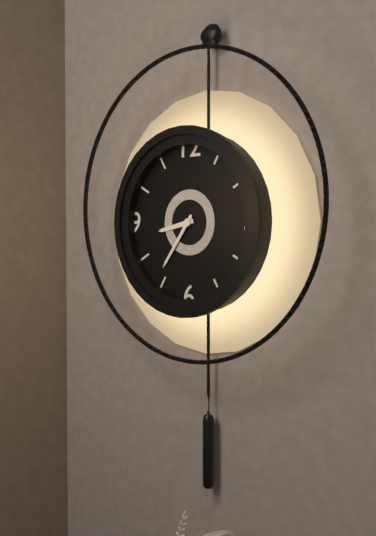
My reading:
h=8 m=36
